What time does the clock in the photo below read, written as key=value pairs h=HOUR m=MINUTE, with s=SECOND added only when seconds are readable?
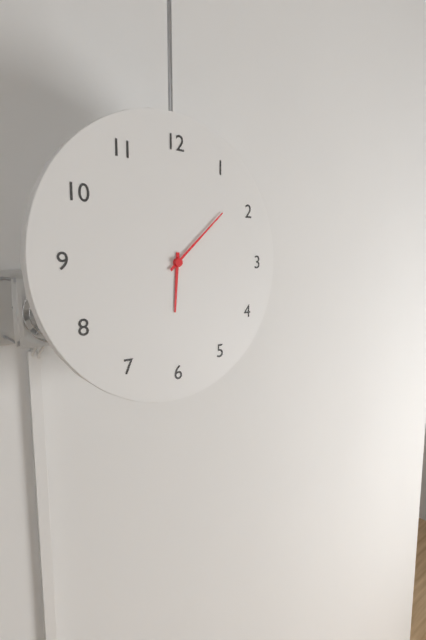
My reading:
h=6 m=8
